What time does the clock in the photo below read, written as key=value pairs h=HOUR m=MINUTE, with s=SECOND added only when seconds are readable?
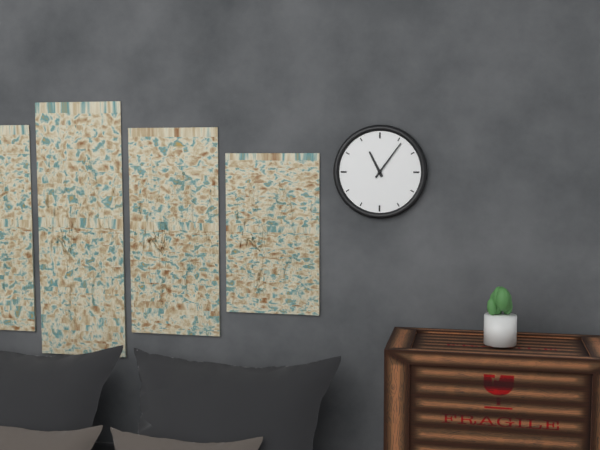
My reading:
h=11 m=6
